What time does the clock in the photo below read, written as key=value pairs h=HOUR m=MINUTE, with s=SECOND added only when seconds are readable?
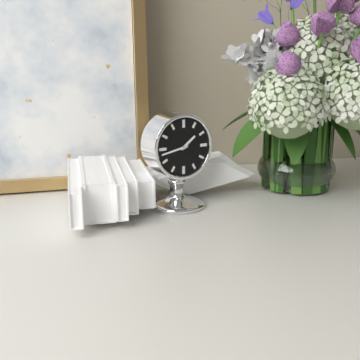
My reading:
h=1 m=43
